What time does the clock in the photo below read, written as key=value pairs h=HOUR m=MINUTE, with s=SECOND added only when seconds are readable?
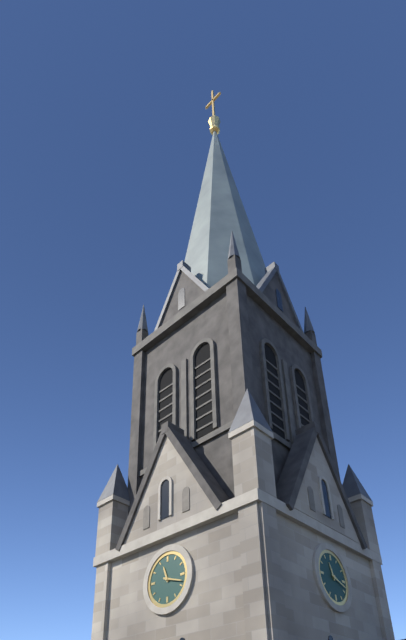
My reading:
h=11 m=18
